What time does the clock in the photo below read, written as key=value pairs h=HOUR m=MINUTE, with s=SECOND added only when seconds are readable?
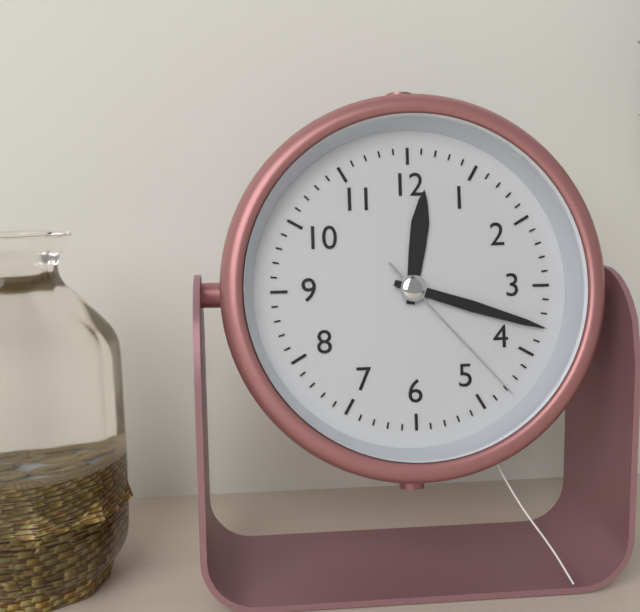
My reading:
h=12 m=18 s=23
